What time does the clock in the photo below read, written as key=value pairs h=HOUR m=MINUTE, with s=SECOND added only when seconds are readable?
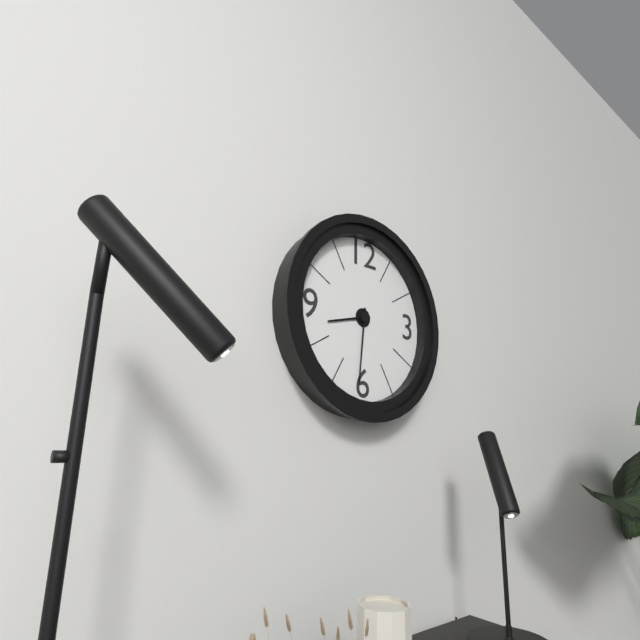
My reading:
h=8 m=31
